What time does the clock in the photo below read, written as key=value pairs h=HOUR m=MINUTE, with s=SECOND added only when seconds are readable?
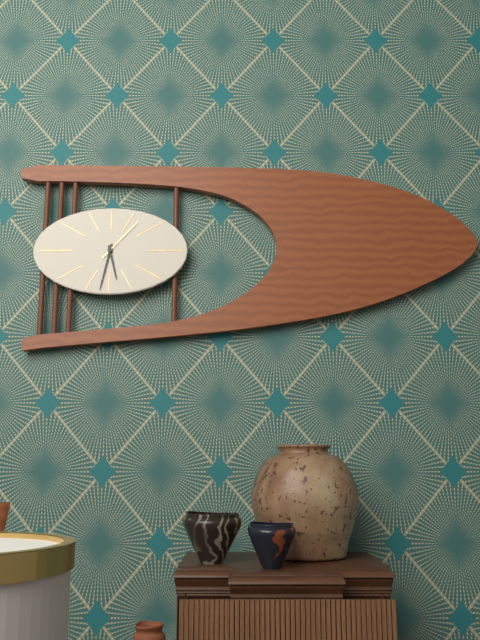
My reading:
h=5 m=32 s=7
